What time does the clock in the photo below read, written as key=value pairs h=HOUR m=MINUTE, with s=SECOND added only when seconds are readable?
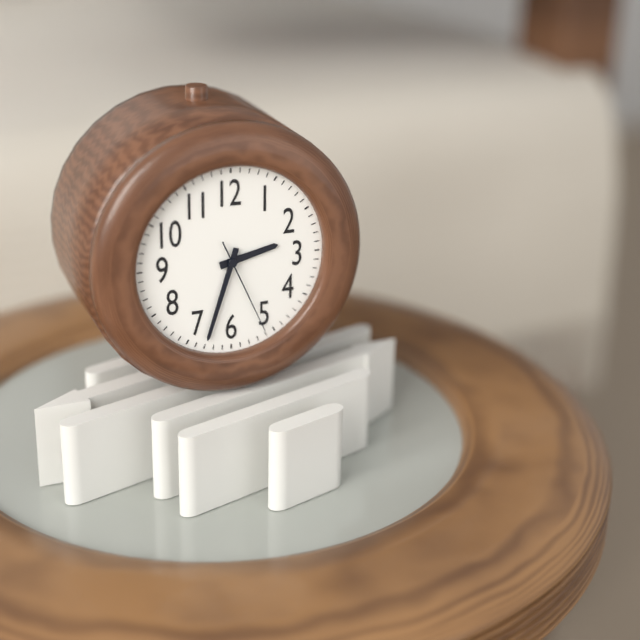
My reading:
h=2 m=33 s=26
